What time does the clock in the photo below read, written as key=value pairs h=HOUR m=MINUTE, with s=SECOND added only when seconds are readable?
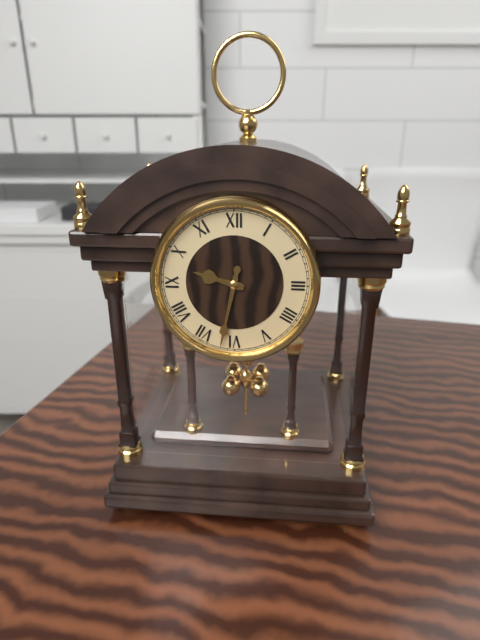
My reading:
h=9 m=32
